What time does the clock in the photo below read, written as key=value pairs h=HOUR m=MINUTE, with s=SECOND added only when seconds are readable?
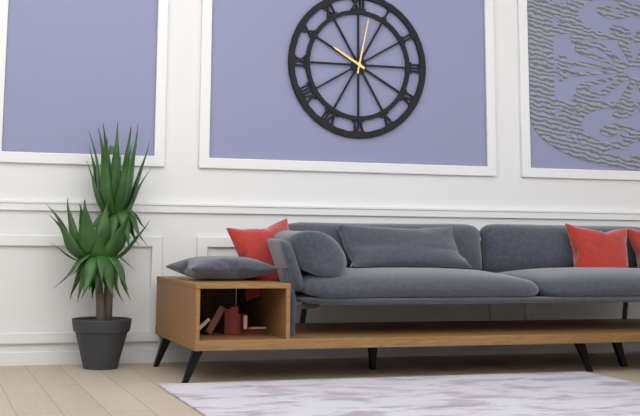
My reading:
h=10 m=2
